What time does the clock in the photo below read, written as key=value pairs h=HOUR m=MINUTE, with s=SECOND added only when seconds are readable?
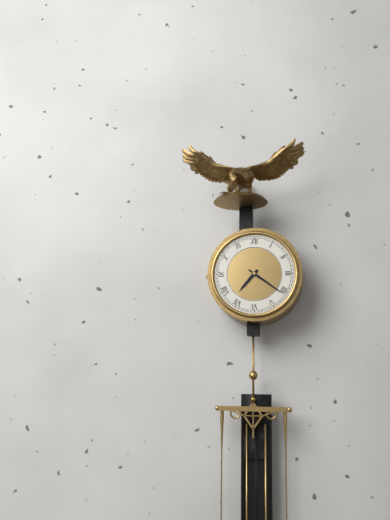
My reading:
h=7 m=21
